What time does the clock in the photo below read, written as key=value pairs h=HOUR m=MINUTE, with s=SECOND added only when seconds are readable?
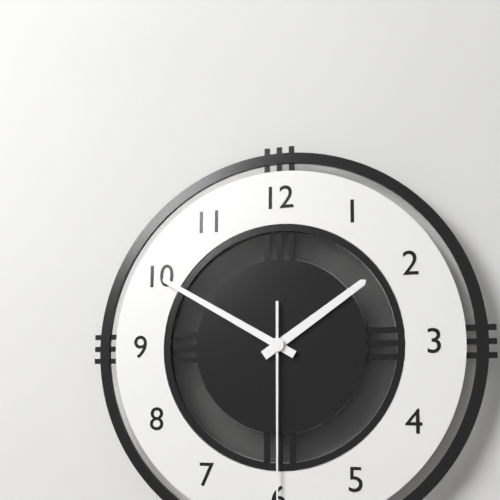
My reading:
h=1 m=50
